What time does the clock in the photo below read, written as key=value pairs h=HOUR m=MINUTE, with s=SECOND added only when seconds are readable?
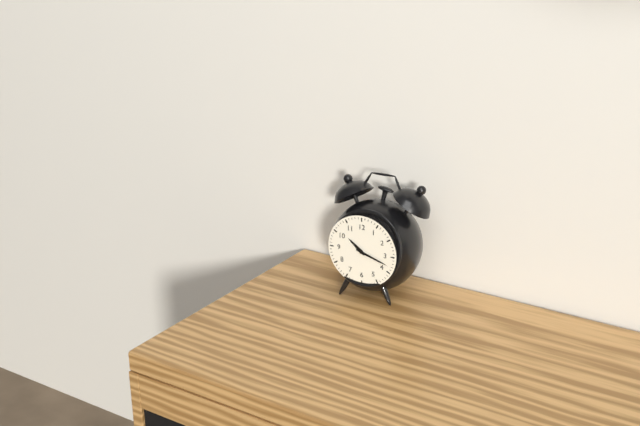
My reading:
h=10 m=18
